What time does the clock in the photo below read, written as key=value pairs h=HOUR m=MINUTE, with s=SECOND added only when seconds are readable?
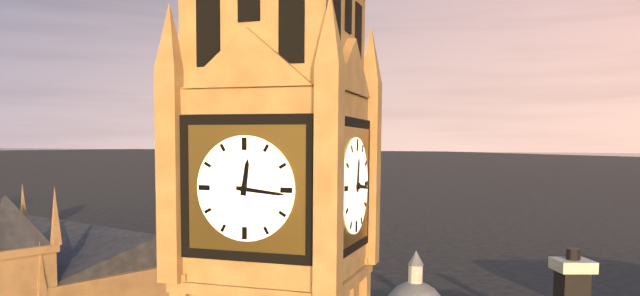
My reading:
h=12 m=16
